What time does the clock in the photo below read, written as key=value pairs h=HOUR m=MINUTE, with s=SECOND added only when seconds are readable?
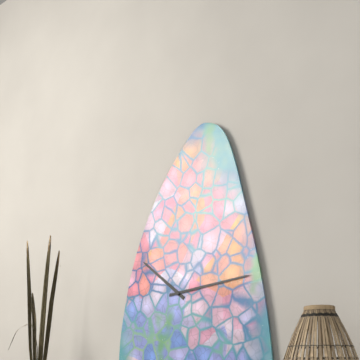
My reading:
h=10 m=14
